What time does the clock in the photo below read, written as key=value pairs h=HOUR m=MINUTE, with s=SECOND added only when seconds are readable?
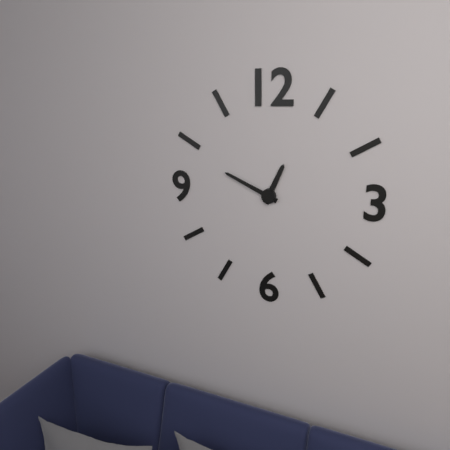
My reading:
h=12 m=49
